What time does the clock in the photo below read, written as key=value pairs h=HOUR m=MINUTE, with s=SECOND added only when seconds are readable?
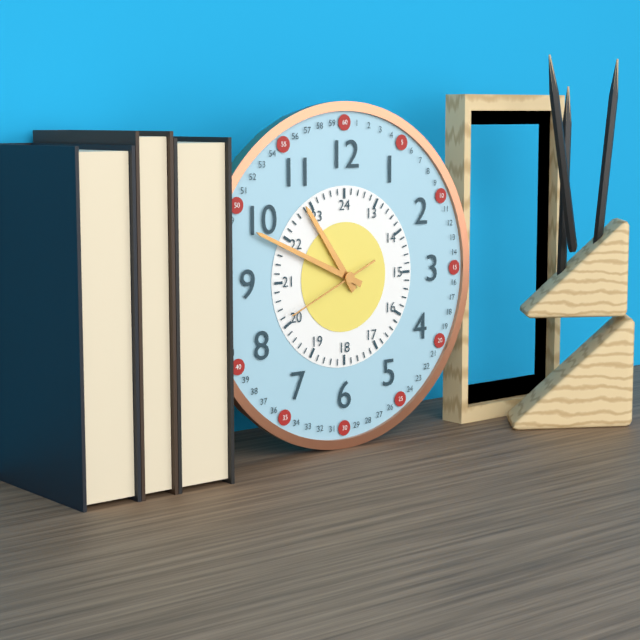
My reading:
h=10 m=49 s=41
